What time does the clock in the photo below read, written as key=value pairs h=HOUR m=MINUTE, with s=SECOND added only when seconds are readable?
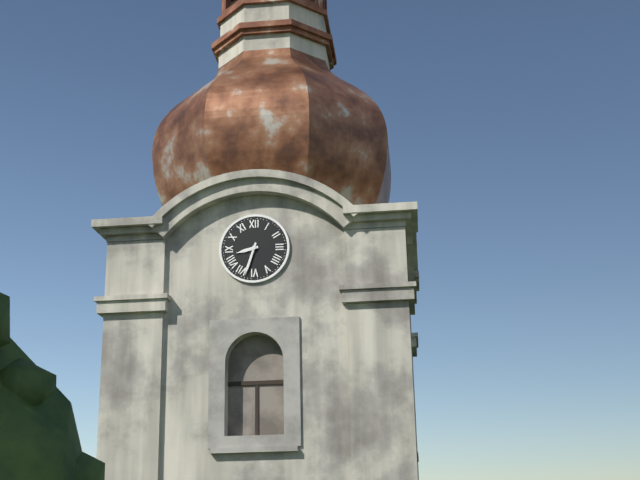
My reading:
h=8 m=33
